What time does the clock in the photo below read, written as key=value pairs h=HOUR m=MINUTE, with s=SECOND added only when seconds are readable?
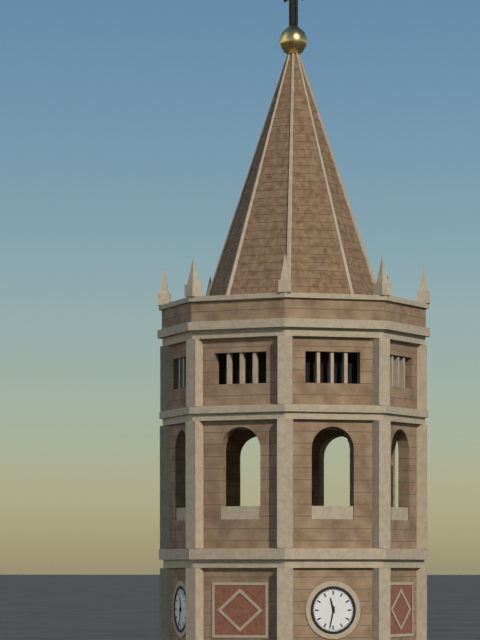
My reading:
h=11 m=32
